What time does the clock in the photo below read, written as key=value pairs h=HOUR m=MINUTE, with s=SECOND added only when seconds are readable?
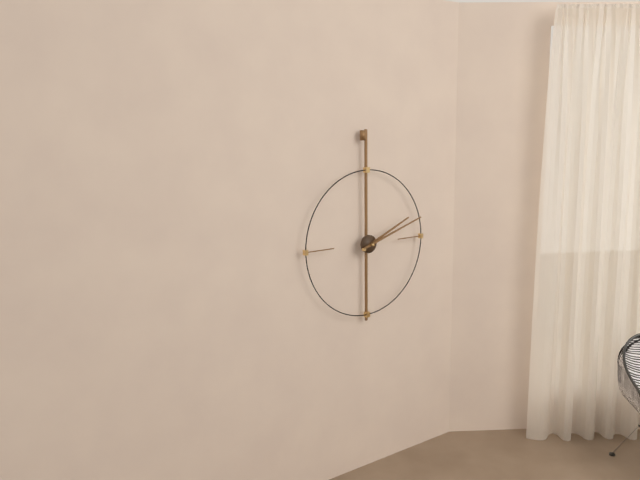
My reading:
h=2 m=12
